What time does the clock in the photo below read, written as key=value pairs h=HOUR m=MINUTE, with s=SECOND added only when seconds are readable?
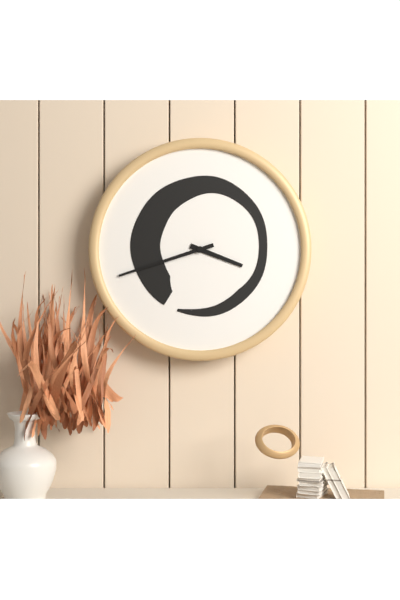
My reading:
h=3 m=42
